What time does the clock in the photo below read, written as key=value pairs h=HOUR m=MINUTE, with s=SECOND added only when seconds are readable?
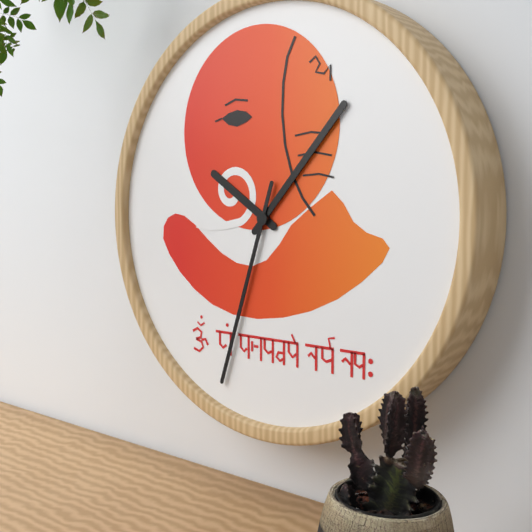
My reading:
h=10 m=7 s=33
